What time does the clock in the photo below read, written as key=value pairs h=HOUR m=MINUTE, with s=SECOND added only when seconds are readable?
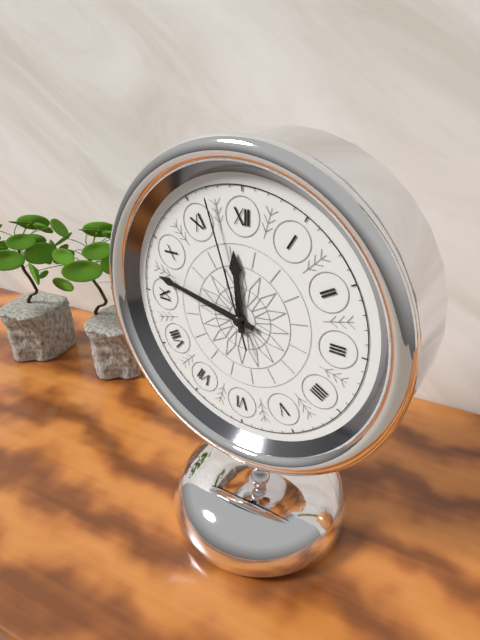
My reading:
h=11 m=47 s=57
